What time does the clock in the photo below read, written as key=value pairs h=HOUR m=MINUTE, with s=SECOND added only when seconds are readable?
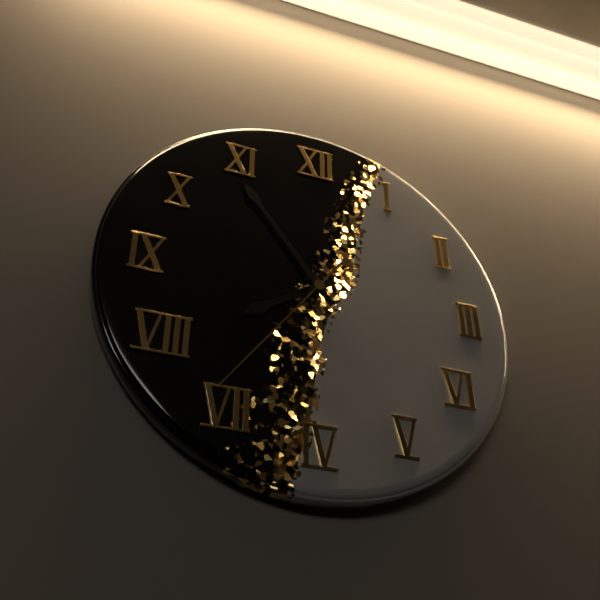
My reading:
h=7 m=54 s=36
